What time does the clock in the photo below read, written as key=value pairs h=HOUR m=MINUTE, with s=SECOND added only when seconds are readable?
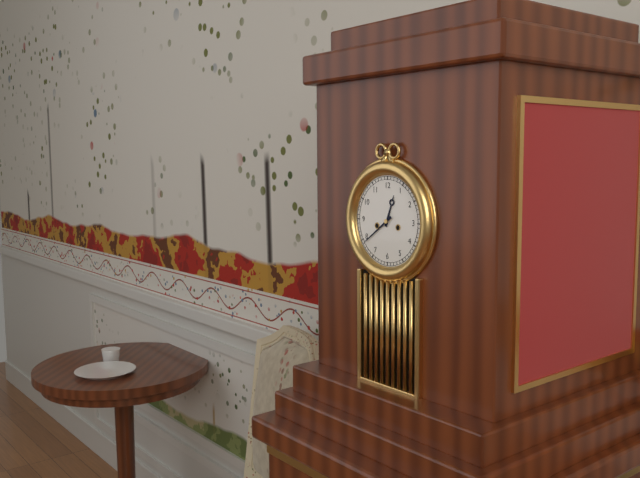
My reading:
h=12 m=39
